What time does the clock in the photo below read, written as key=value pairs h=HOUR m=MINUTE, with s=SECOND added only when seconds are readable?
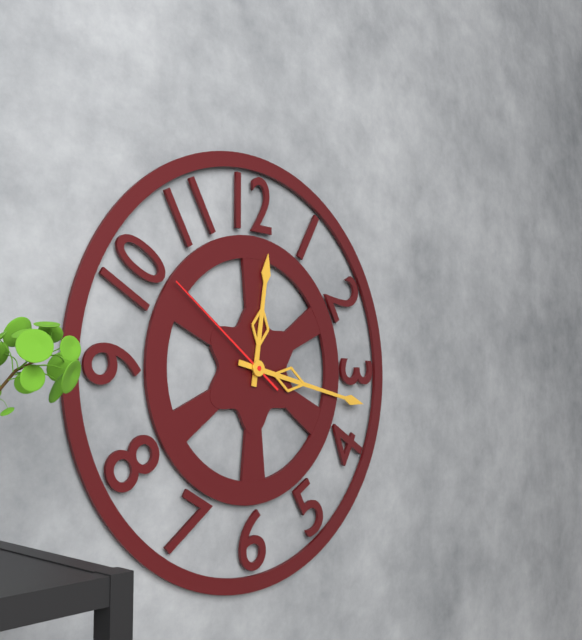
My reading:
h=12 m=17 s=51
